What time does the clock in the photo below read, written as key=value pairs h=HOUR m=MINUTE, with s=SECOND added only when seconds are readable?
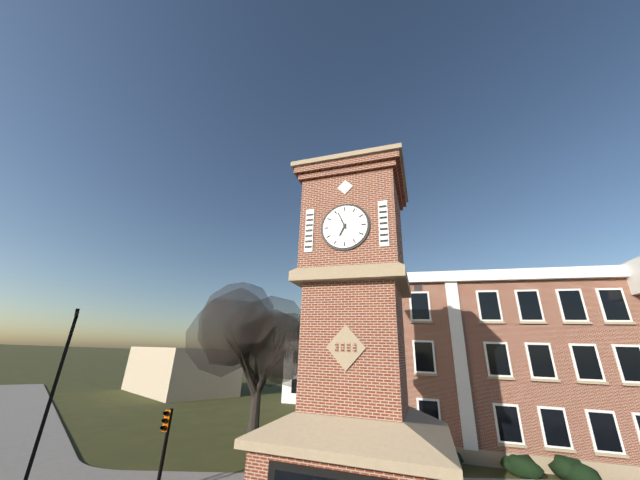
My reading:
h=6 m=56
